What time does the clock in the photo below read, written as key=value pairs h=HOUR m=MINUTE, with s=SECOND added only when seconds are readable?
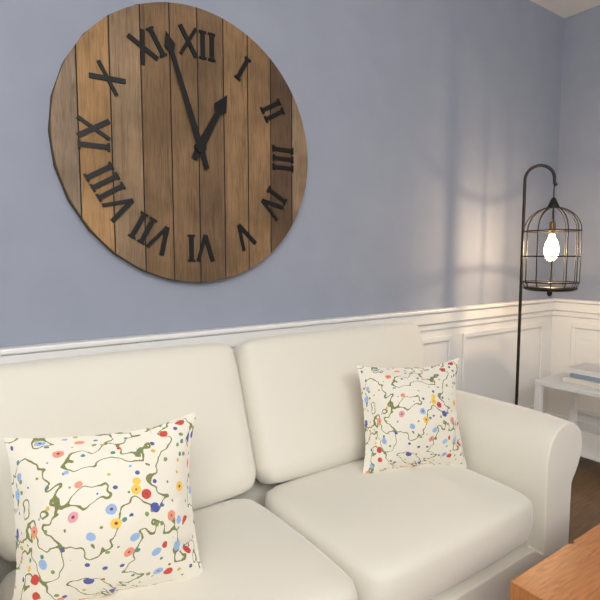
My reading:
h=12 m=57
